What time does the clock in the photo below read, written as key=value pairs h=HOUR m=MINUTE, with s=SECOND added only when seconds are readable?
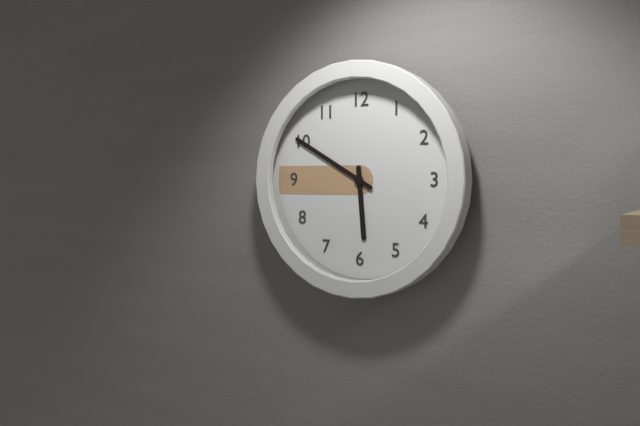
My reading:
h=5 m=50
